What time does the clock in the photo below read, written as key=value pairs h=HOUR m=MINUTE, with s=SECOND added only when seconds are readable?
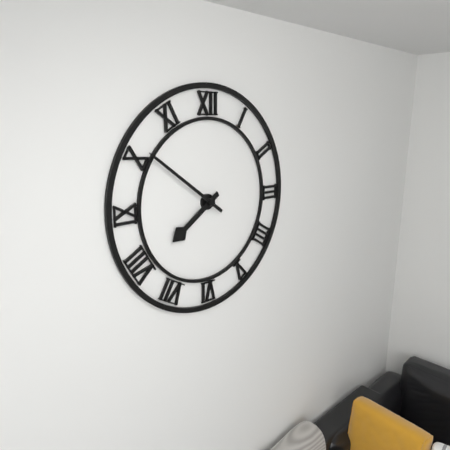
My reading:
h=7 m=51
